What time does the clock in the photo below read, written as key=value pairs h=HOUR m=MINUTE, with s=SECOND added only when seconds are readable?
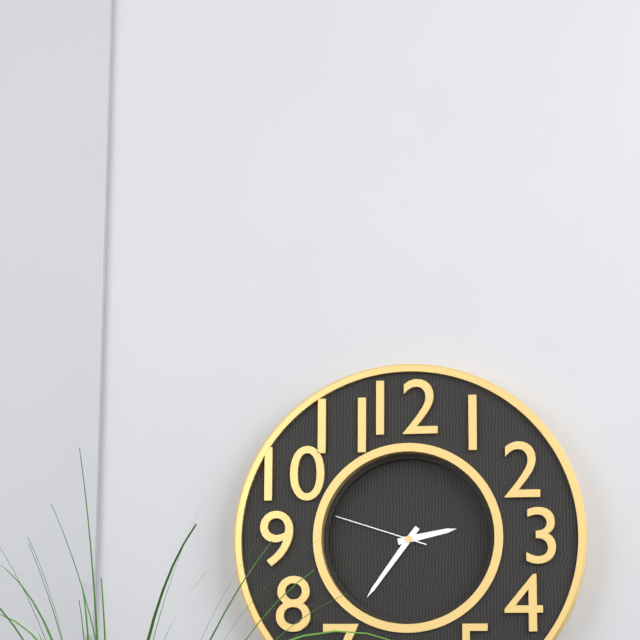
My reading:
h=2 m=36 s=48
